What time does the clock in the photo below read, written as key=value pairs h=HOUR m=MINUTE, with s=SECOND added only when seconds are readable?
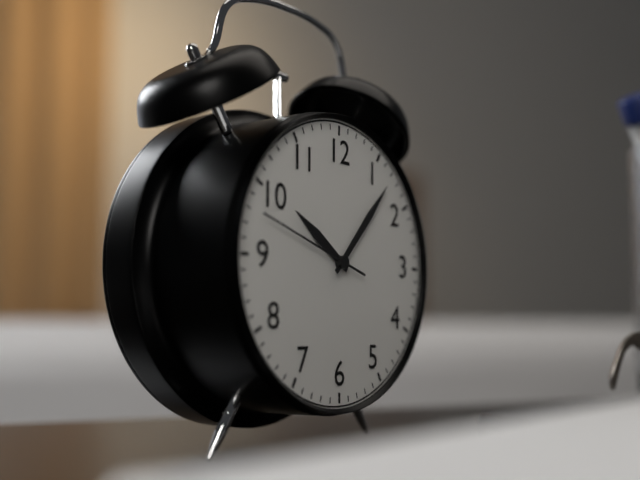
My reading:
h=10 m=7 s=48
